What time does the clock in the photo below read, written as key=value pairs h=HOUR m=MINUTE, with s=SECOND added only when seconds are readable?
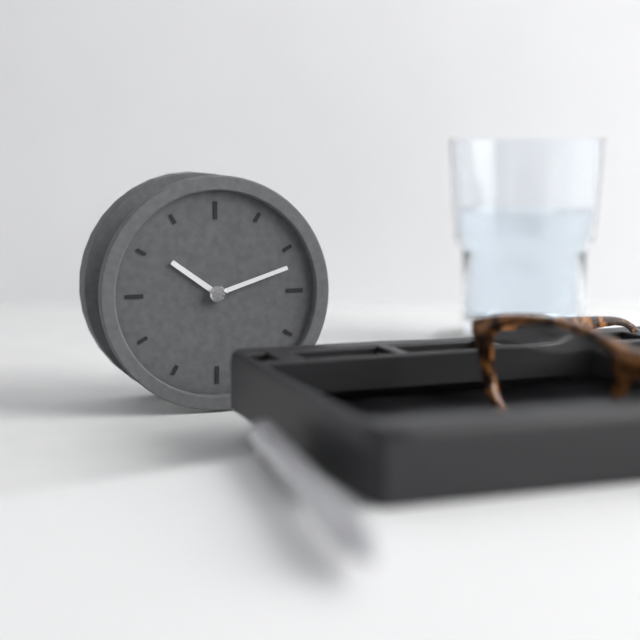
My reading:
h=10 m=12
